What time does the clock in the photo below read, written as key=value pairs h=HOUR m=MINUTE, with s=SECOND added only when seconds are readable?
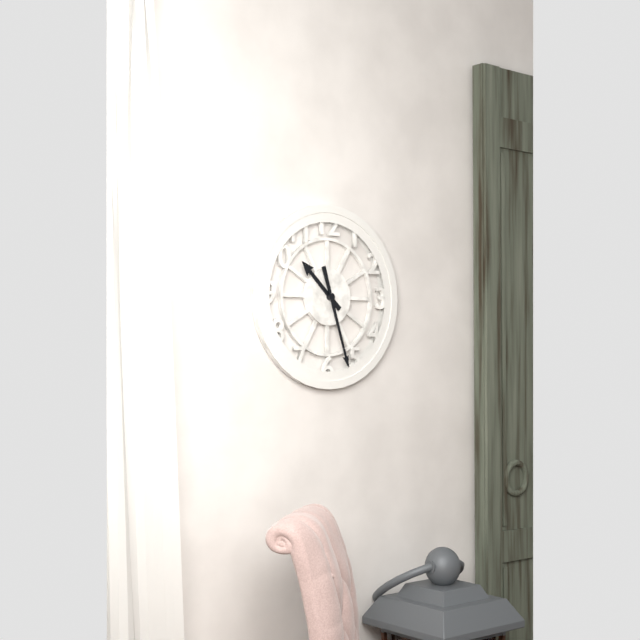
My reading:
h=10 m=27
